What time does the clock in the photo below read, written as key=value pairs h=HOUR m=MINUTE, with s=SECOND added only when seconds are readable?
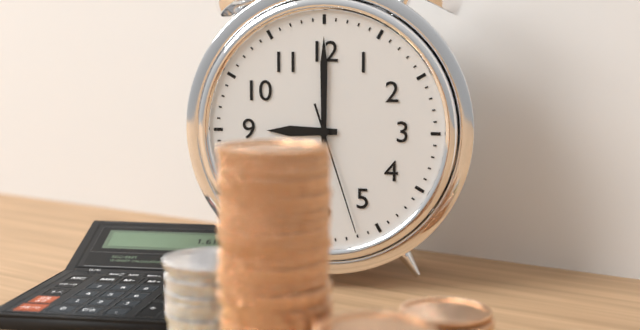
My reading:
h=9 m=0 s=27
